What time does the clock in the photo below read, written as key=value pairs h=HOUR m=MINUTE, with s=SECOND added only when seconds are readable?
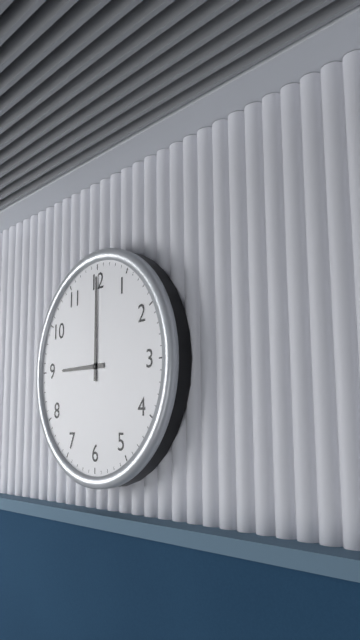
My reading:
h=9 m=0
